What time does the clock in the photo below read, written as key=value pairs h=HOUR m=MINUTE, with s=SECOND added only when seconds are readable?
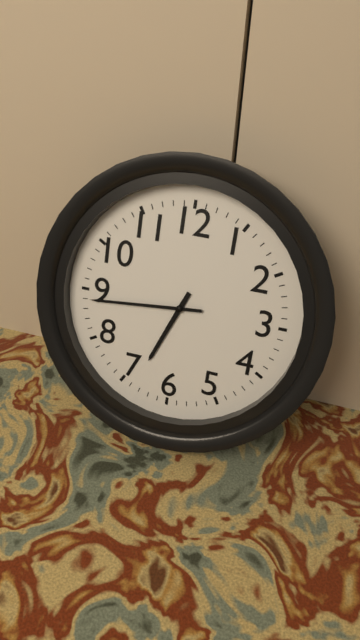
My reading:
h=6 m=44
